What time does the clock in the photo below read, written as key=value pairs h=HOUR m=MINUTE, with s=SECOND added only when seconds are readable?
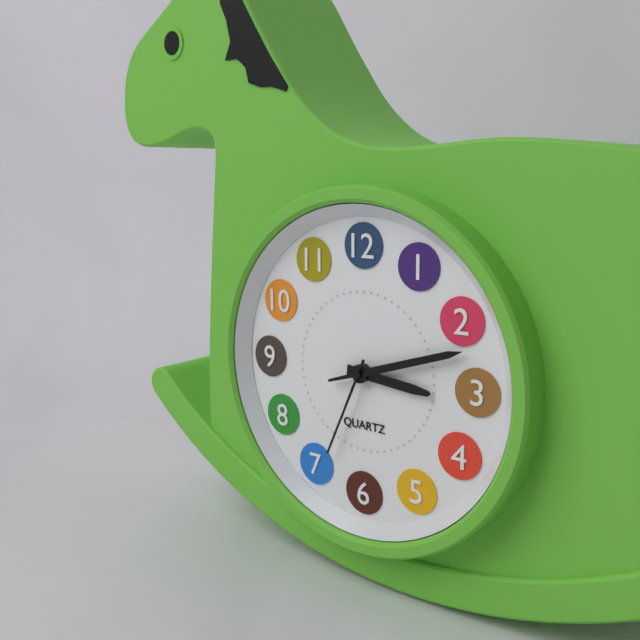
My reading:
h=3 m=12 s=34
